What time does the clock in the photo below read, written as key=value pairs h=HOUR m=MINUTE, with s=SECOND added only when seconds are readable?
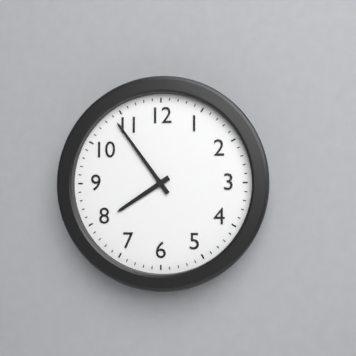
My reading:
h=7 m=54
